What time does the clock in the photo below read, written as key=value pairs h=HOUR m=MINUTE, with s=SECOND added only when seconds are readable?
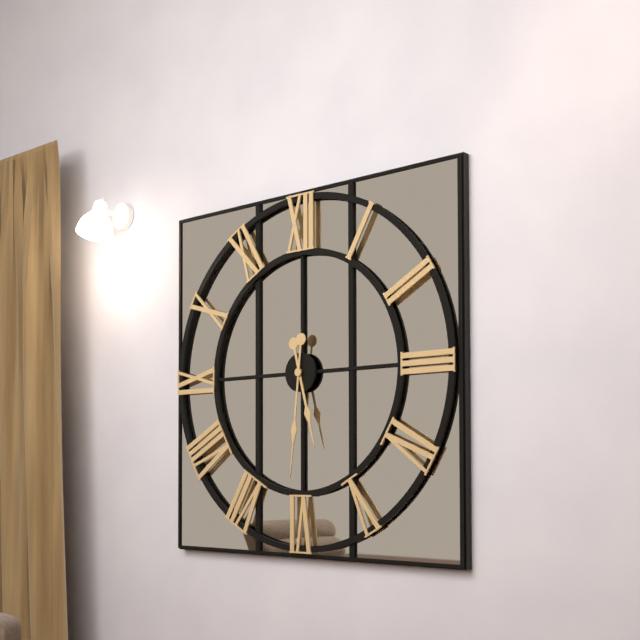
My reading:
h=5 m=31
